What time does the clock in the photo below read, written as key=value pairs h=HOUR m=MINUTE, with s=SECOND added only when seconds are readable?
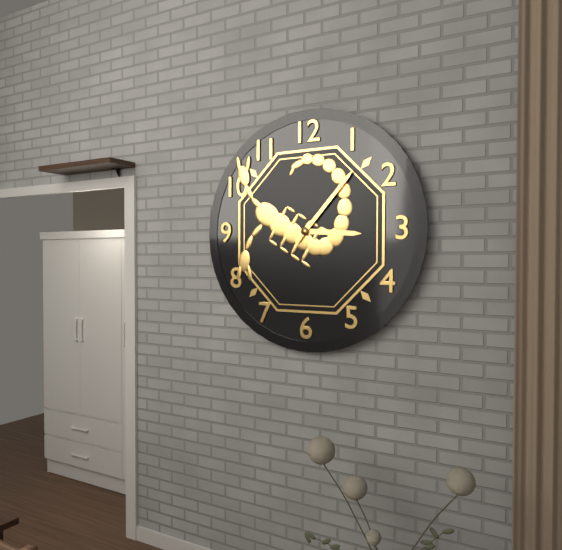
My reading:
h=3 m=7
